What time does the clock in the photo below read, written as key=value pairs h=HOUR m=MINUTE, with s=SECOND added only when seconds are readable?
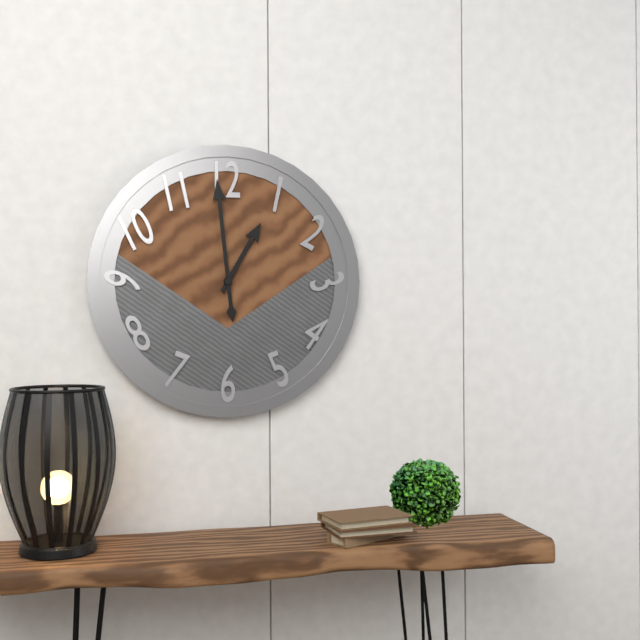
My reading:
h=12 m=59
